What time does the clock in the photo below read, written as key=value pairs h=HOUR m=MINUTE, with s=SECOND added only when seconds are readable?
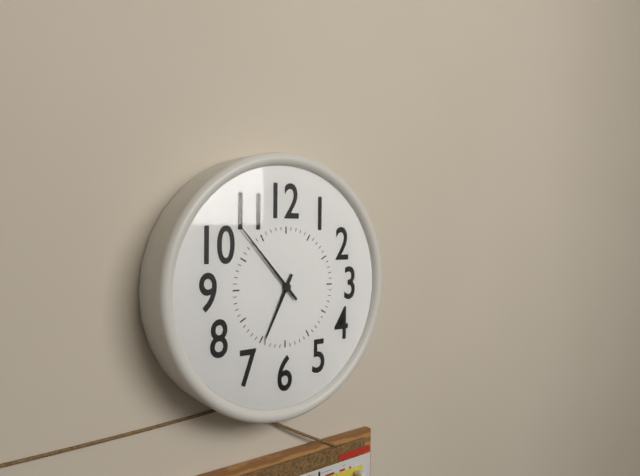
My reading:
h=6 m=53
